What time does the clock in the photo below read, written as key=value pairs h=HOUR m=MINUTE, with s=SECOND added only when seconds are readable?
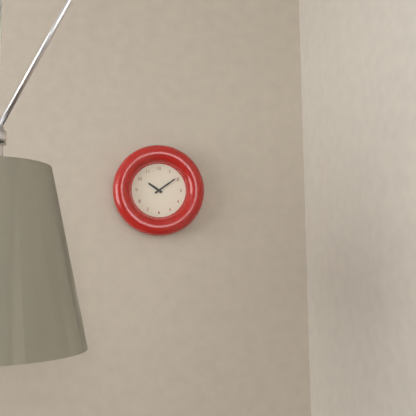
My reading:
h=10 m=9
